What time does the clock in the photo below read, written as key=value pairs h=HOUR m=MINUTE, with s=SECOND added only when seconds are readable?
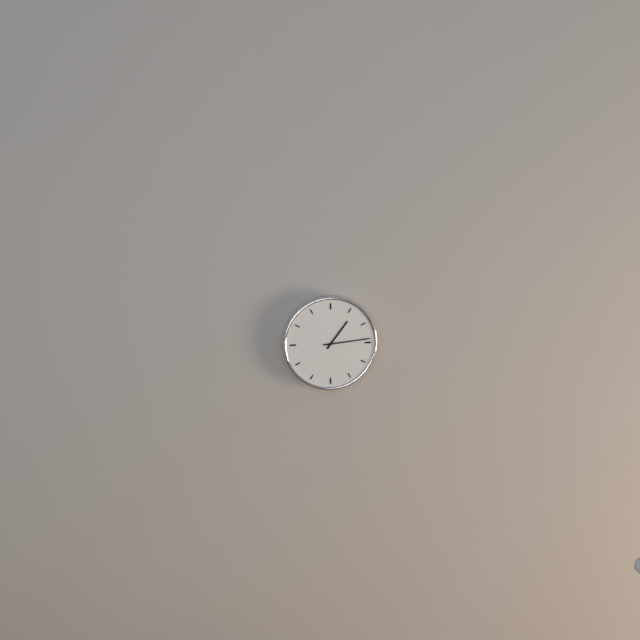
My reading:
h=1 m=14
